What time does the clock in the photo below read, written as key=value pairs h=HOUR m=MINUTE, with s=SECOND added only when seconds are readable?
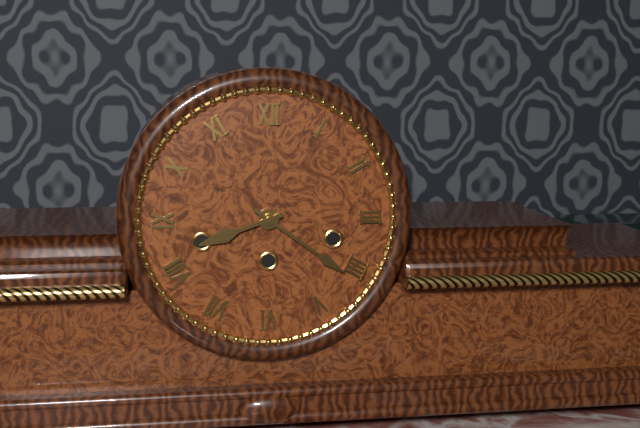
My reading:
h=8 m=21
